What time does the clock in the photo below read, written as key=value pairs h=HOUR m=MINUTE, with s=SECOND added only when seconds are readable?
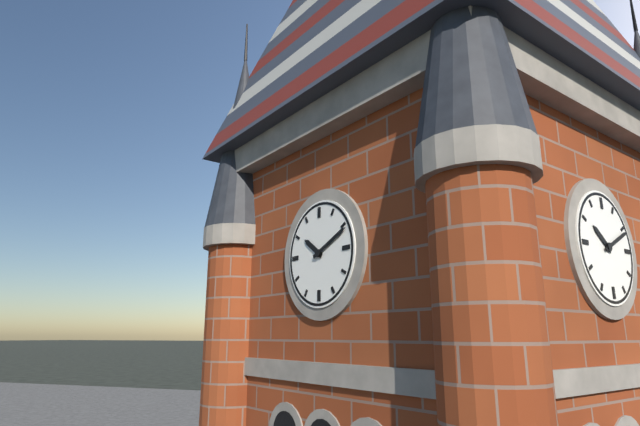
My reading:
h=10 m=11
